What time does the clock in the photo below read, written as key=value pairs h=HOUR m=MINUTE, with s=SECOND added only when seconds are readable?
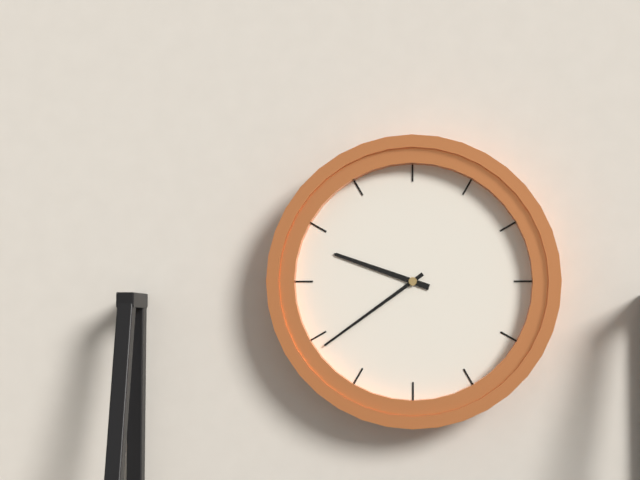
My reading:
h=9 m=39
